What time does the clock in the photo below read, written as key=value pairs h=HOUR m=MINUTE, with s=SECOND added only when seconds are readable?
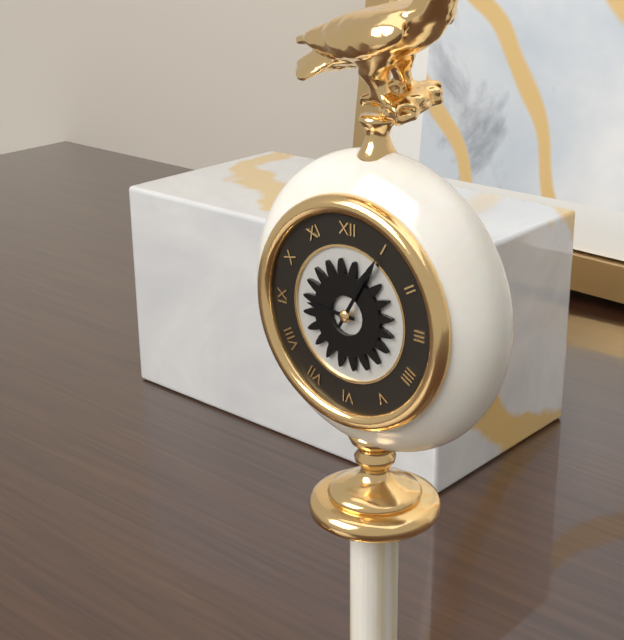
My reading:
h=9 m=5
